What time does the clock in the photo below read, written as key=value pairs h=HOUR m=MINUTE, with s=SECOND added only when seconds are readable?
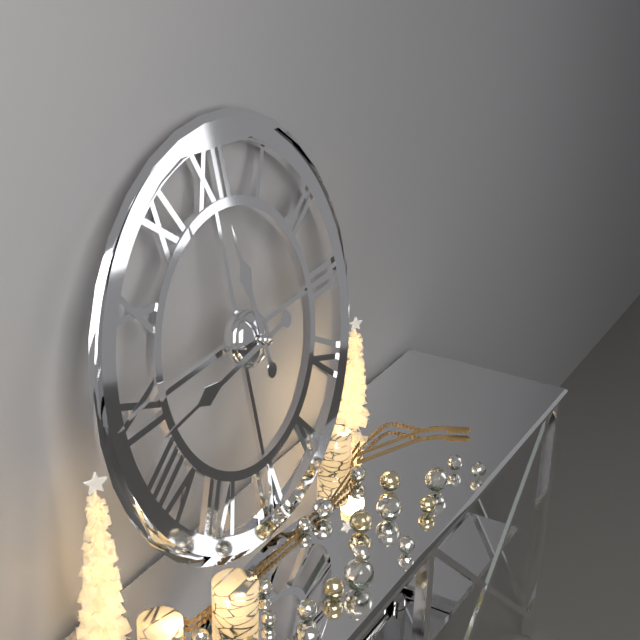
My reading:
h=11 m=44
